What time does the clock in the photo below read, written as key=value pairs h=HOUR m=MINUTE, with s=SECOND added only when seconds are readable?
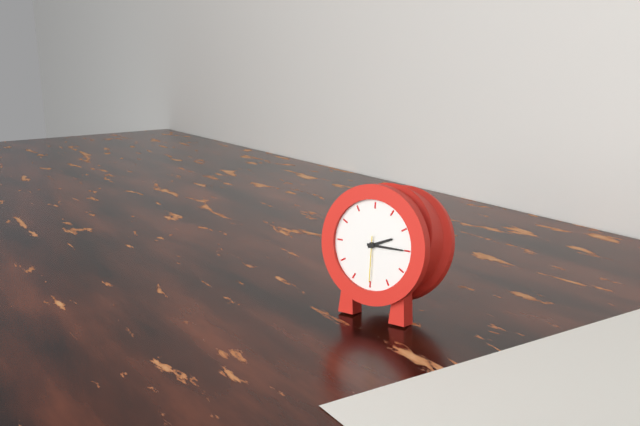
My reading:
h=2 m=15
